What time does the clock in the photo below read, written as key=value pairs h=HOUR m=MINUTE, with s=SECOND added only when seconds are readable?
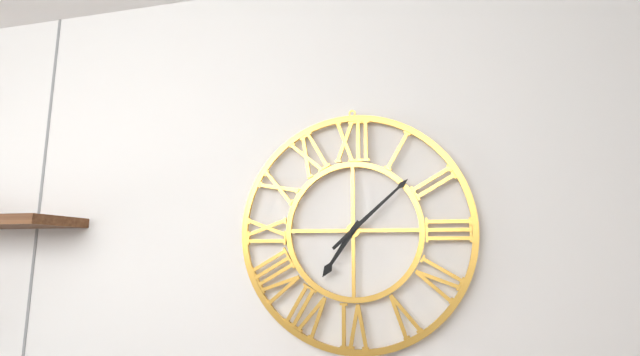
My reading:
h=7 m=8
